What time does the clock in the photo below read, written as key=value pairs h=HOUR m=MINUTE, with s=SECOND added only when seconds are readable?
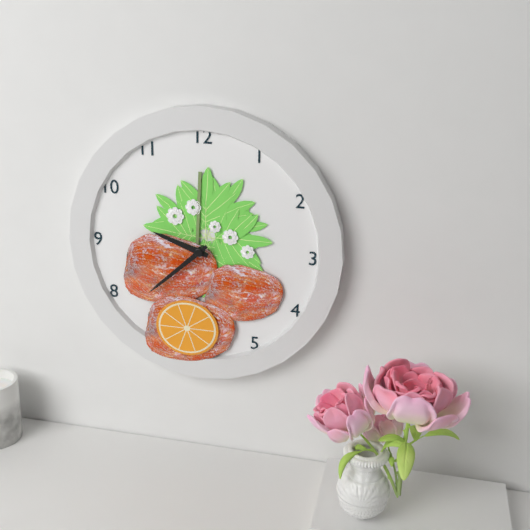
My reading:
h=9 m=38
